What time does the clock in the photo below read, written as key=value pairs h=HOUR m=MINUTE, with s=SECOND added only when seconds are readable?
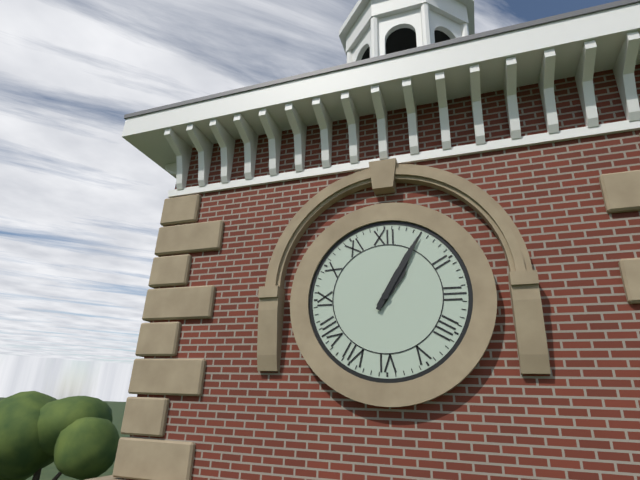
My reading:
h=1 m=5
